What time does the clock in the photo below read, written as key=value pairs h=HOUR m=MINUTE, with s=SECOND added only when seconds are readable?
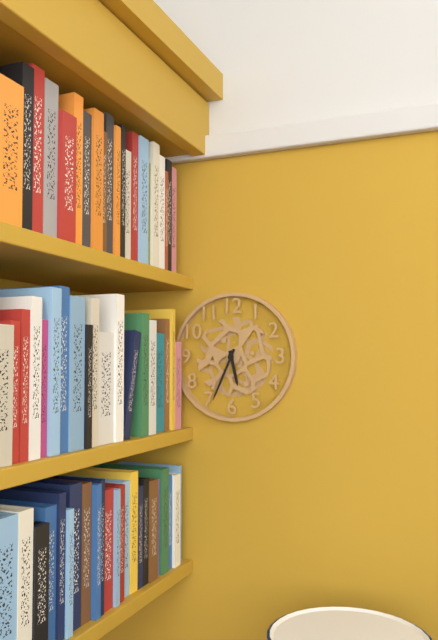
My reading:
h=5 m=34
